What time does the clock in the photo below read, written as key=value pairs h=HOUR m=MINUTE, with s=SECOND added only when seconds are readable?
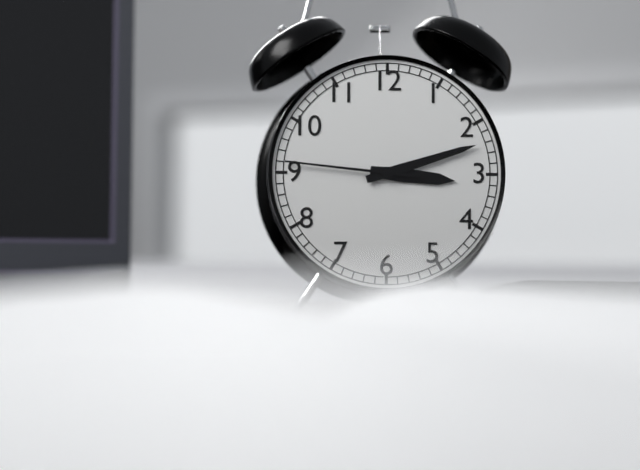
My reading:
h=3 m=12 s=46
